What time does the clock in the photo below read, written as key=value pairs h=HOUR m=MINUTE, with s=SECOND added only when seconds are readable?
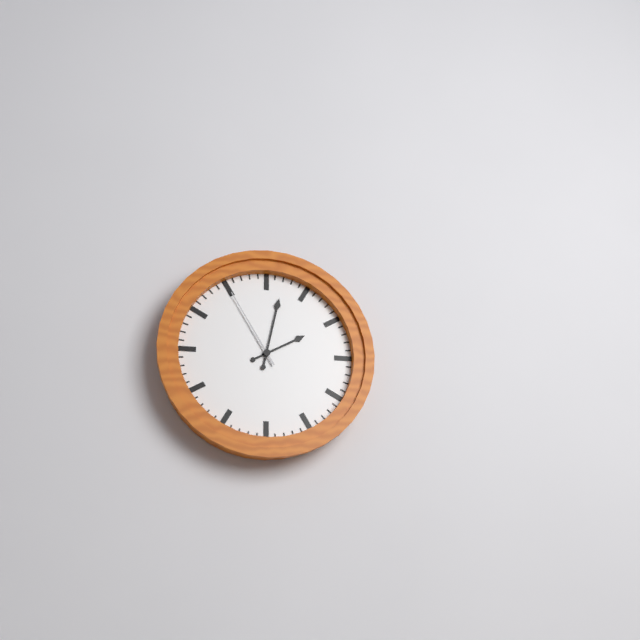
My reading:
h=2 m=2 s=55
